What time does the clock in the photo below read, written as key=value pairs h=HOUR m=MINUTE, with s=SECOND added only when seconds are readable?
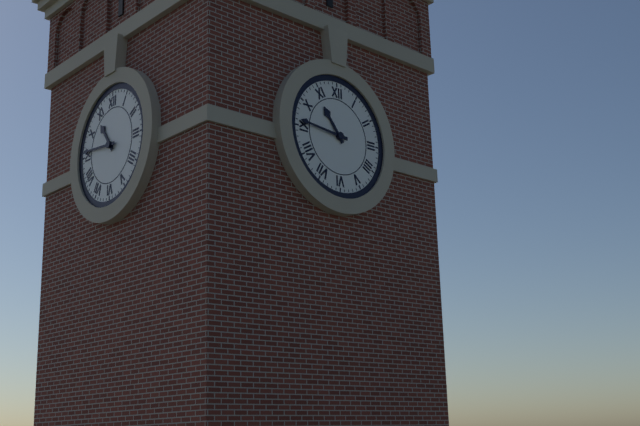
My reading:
h=10 m=46
